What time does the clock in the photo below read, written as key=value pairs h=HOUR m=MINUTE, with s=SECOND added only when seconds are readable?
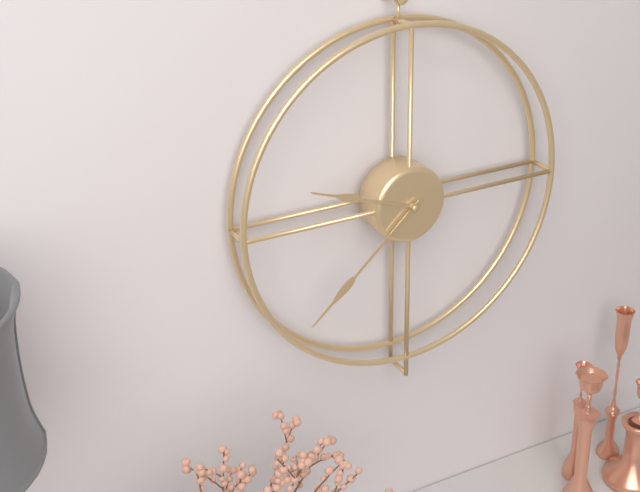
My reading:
h=9 m=38
